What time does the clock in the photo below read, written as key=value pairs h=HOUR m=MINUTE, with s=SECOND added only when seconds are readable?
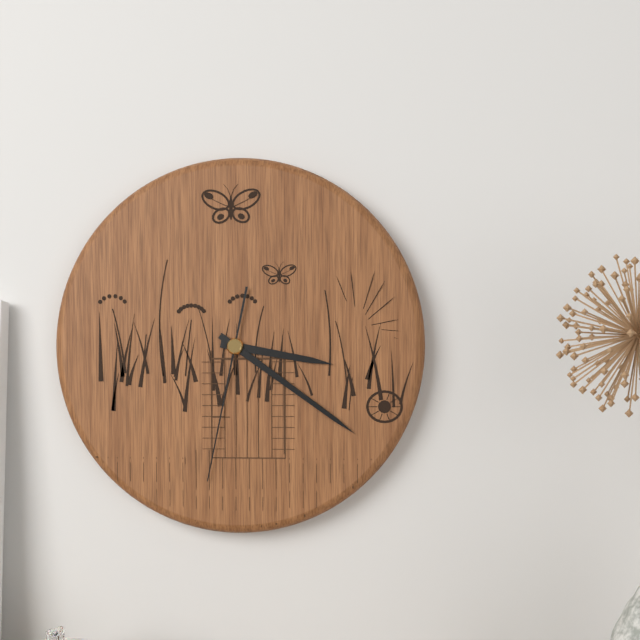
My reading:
h=3 m=21 s=32
